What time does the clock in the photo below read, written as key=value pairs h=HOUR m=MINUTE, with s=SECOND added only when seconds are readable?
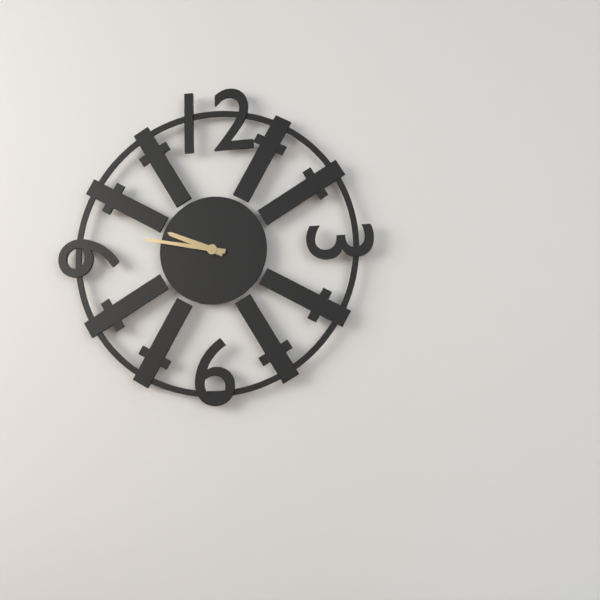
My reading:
h=9 m=47
